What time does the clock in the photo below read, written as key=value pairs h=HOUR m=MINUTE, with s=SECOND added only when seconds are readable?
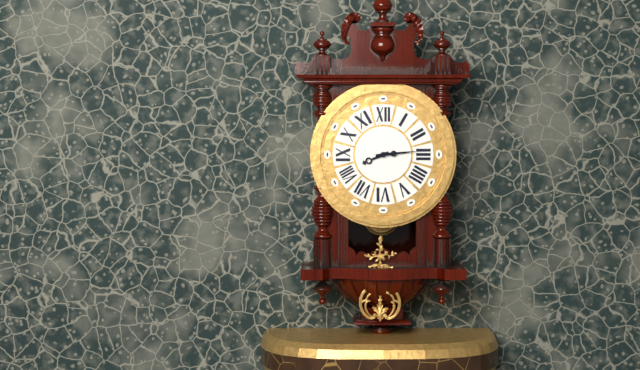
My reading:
h=8 m=14
